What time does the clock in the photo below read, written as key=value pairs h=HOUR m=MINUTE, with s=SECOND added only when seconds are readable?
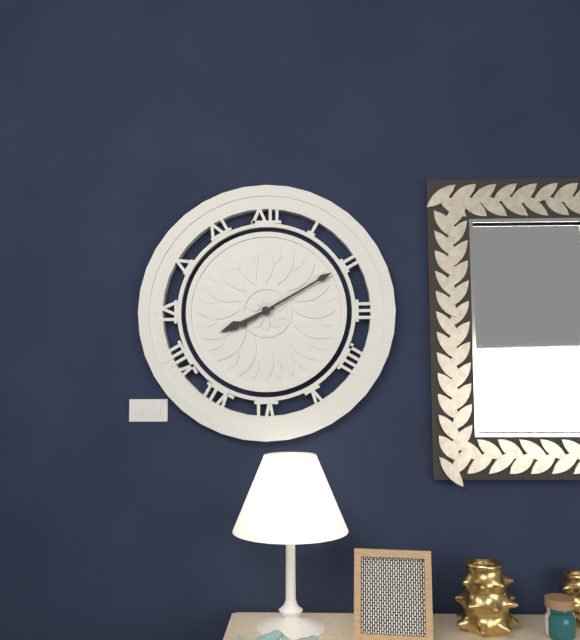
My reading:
h=8 m=10
